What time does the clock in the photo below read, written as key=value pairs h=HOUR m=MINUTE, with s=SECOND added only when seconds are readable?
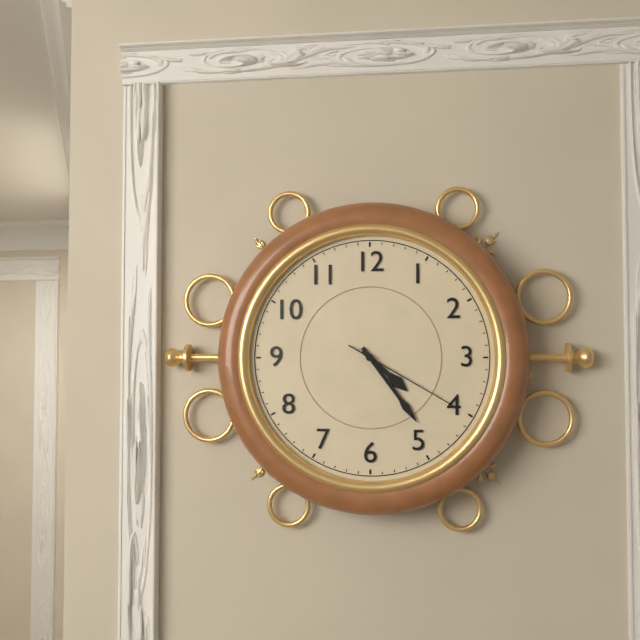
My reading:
h=4 m=24 s=20
